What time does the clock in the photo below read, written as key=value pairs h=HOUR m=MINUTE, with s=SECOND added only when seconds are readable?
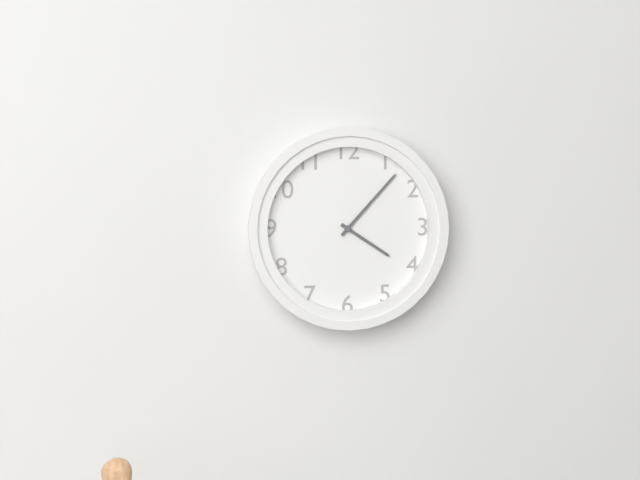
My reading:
h=4 m=7
